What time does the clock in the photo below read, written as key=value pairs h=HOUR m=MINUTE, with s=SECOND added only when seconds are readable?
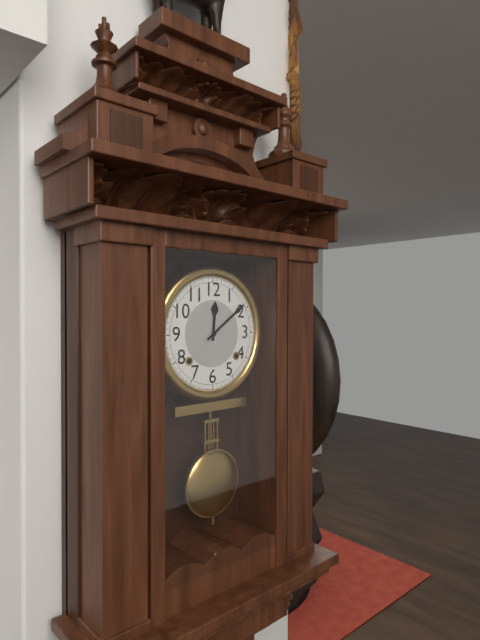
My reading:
h=12 m=9
